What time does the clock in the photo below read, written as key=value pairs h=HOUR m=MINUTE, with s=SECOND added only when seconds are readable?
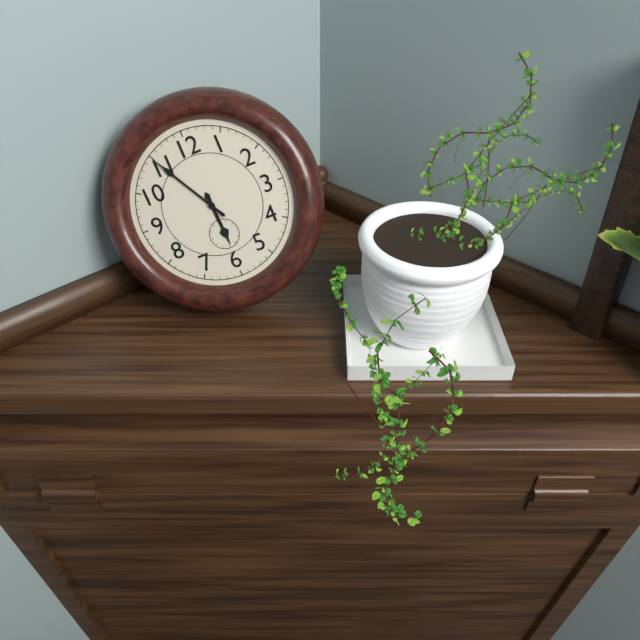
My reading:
h=5 m=55
